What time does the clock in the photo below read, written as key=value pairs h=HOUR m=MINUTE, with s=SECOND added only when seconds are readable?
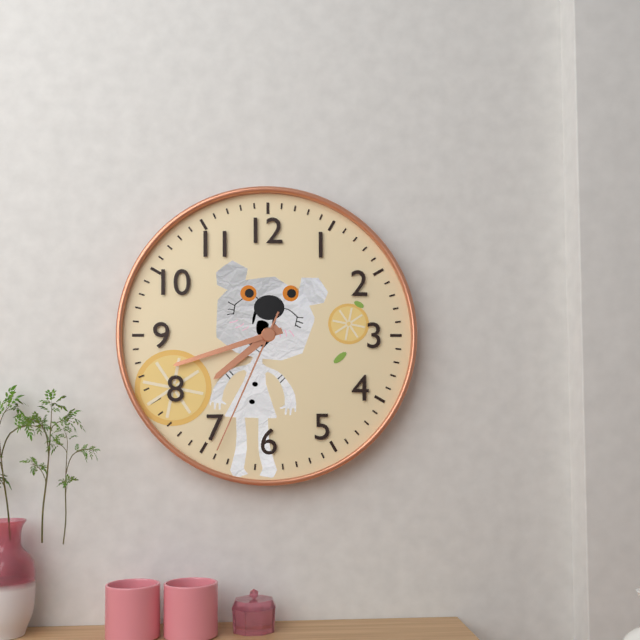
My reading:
h=7 m=42 s=34
